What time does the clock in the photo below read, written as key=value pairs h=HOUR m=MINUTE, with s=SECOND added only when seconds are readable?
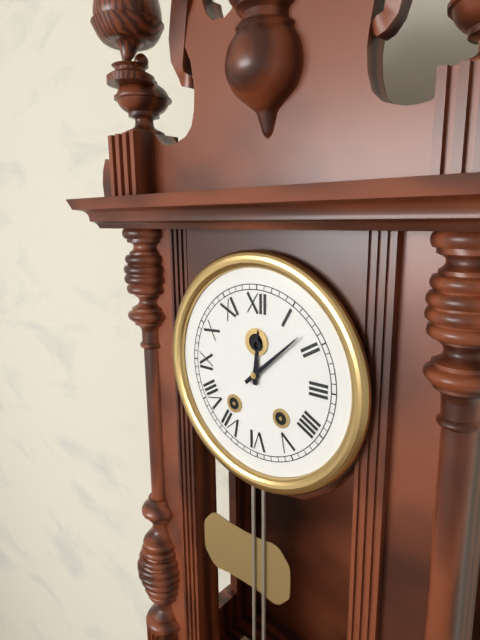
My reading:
h=12 m=8
